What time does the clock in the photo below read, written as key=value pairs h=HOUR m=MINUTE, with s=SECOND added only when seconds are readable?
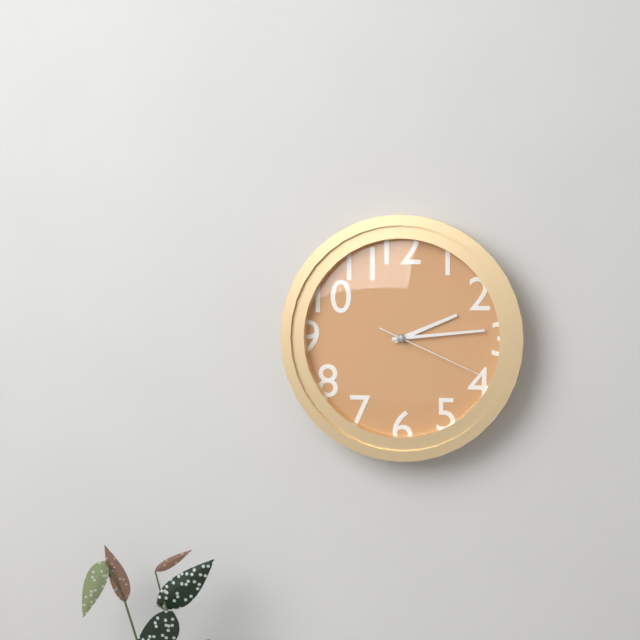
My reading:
h=2 m=14 s=19
